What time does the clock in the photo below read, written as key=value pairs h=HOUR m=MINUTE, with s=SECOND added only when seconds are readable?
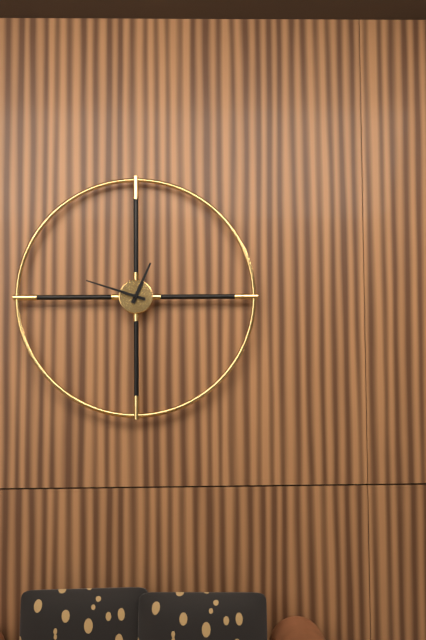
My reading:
h=12 m=48
